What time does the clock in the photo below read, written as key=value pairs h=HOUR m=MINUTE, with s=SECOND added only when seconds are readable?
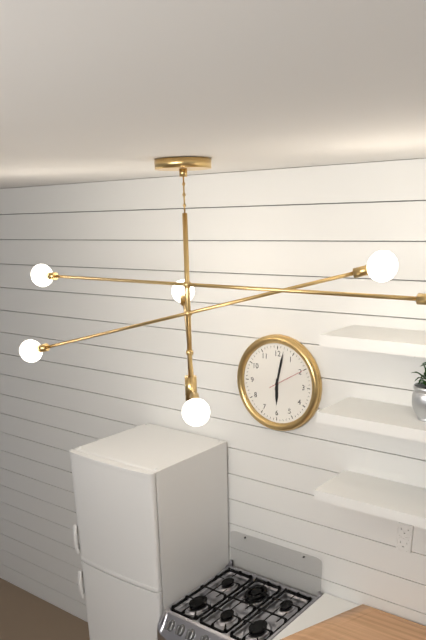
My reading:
h=6 m=2
